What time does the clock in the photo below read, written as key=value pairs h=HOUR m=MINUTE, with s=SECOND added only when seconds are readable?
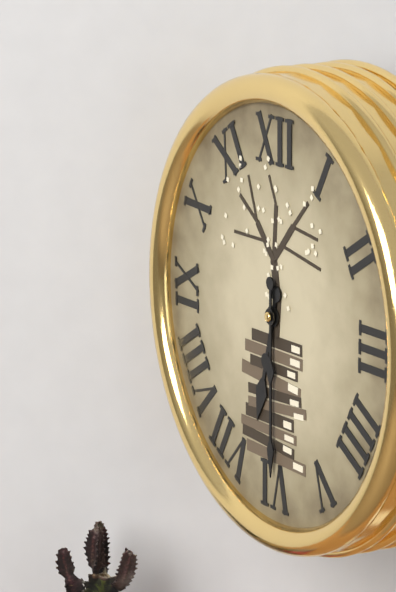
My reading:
h=6 m=30
